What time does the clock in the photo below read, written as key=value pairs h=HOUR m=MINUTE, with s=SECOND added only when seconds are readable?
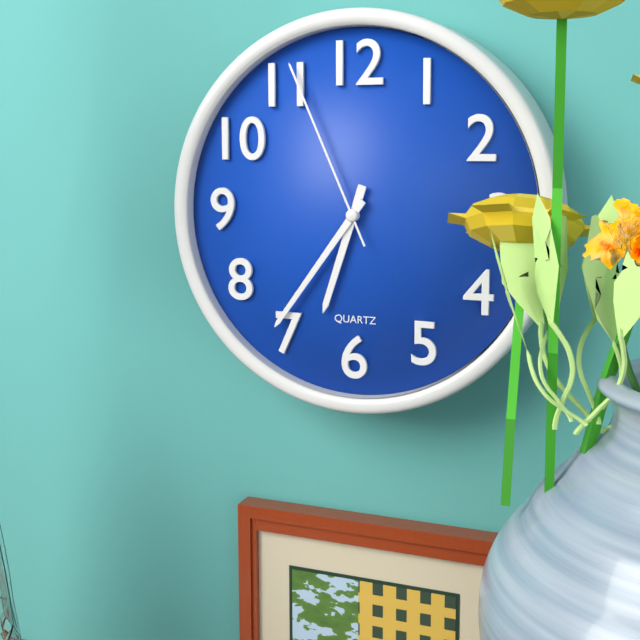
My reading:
h=6 m=36 s=56
